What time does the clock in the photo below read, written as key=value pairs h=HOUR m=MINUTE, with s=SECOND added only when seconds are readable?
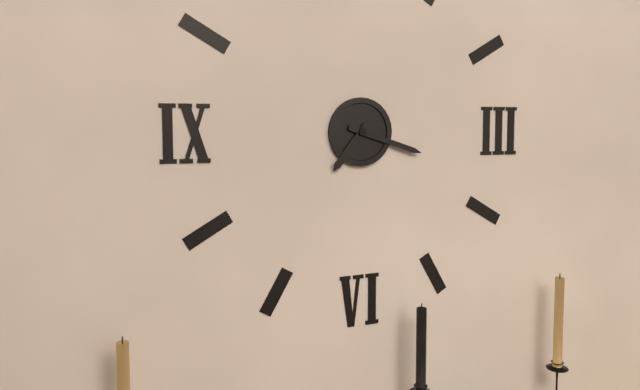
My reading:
h=7 m=18
